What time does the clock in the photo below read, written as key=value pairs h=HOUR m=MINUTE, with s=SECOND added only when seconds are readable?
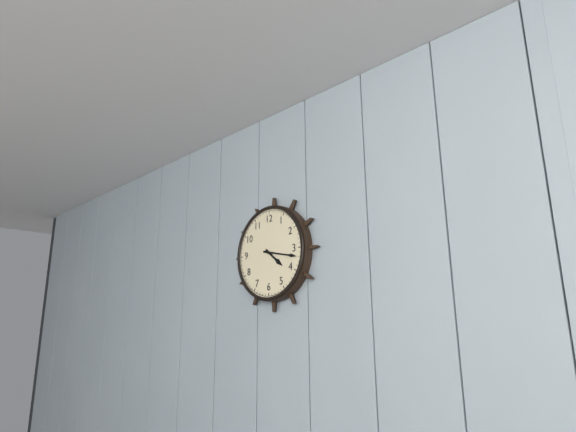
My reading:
h=4 m=17
